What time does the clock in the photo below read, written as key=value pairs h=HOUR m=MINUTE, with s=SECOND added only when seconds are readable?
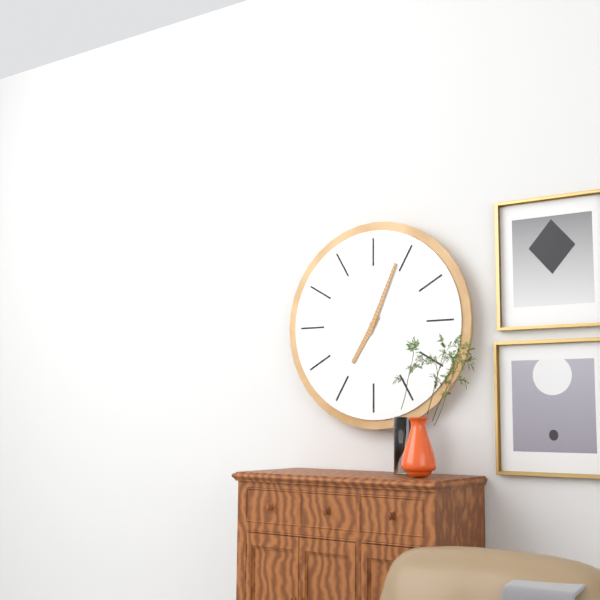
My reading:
h=7 m=4
